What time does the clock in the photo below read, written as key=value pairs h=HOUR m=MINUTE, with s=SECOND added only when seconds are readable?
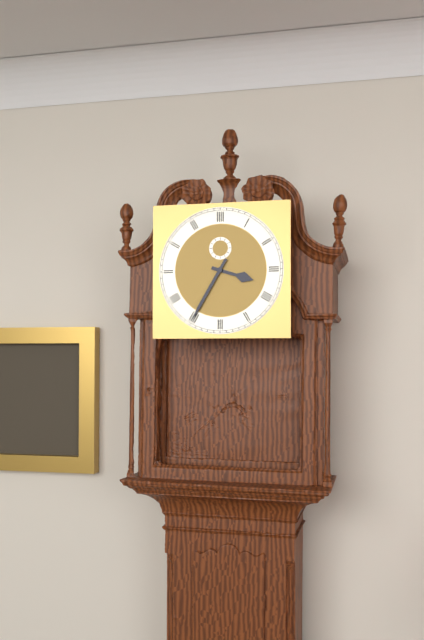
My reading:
h=3 m=35
